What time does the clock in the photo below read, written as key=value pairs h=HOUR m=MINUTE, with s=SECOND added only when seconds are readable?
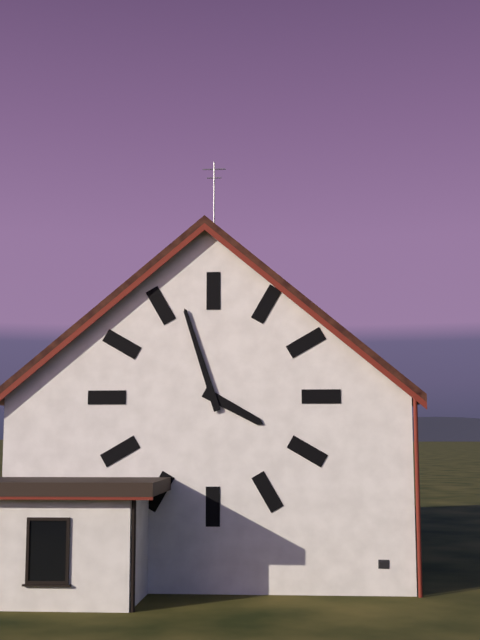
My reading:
h=3 m=57
